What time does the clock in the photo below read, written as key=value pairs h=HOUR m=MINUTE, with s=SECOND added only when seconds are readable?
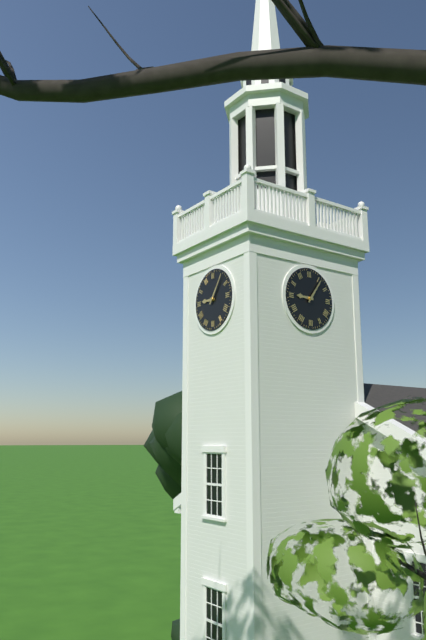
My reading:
h=9 m=6
